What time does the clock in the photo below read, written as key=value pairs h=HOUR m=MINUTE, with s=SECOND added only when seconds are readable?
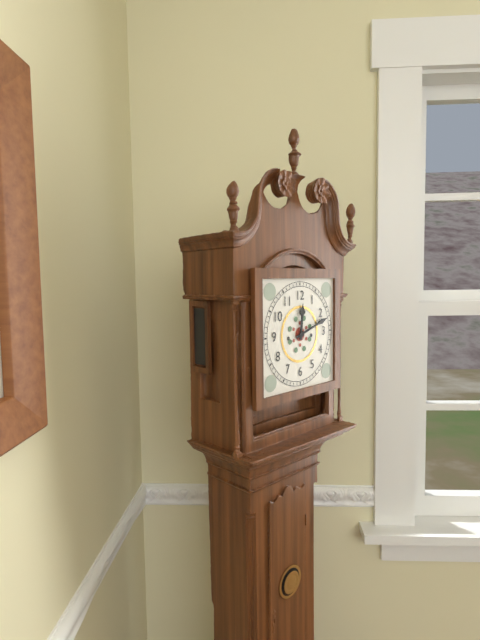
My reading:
h=12 m=12
